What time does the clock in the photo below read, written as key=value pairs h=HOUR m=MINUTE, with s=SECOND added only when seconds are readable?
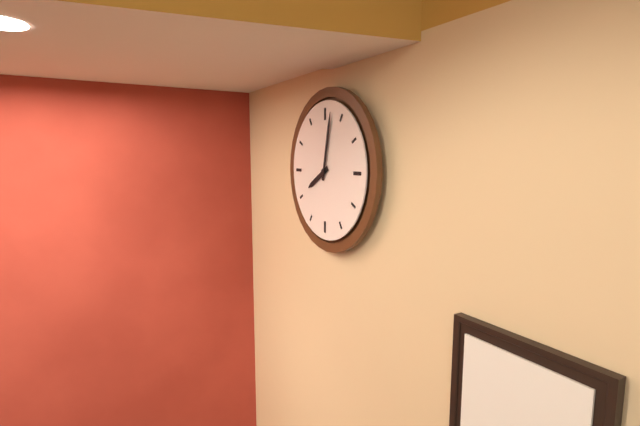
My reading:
h=8 m=2
